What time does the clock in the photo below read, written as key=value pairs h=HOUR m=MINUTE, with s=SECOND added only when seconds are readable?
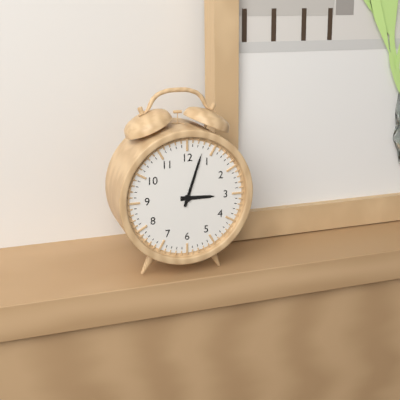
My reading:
h=3 m=3
